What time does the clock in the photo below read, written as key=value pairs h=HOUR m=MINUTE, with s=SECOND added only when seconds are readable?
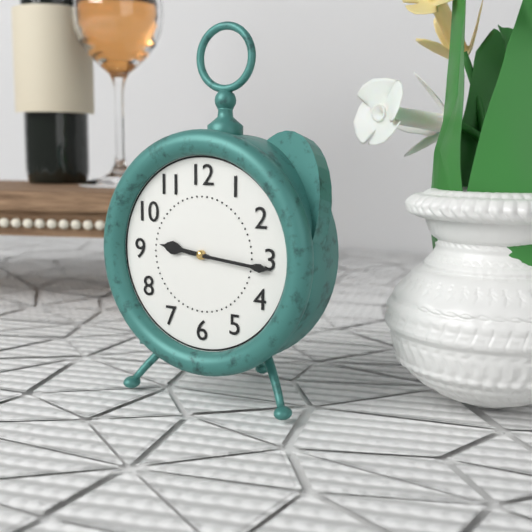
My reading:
h=9 m=16
